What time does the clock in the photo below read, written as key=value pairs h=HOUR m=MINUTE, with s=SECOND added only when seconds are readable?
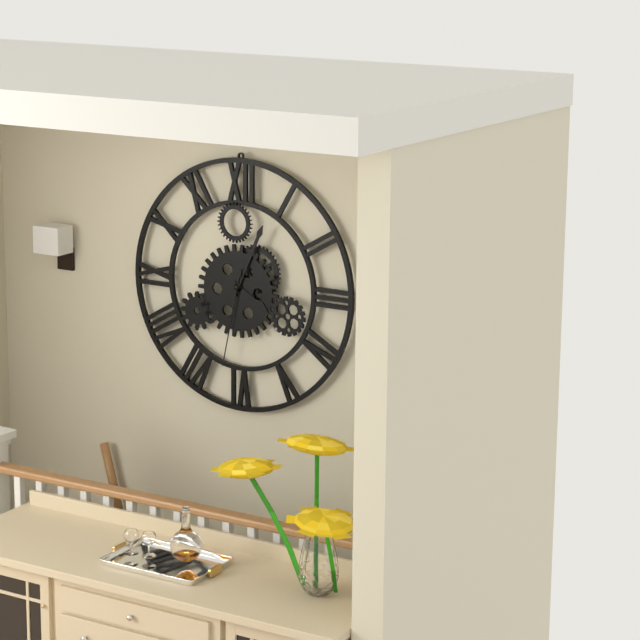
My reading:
h=4 m=4 s=32
